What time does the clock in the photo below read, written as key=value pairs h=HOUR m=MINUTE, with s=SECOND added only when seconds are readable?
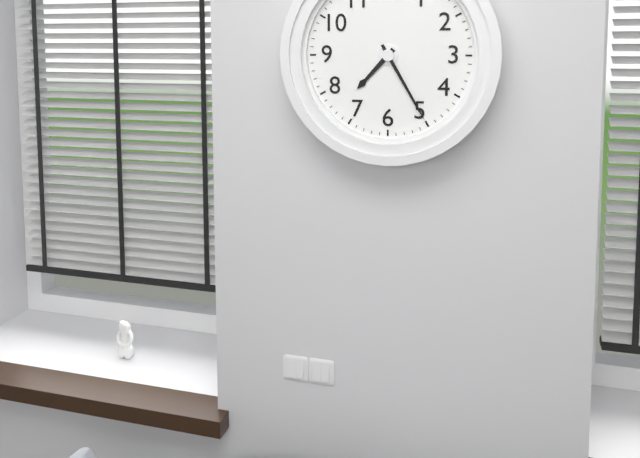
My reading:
h=7 m=25
